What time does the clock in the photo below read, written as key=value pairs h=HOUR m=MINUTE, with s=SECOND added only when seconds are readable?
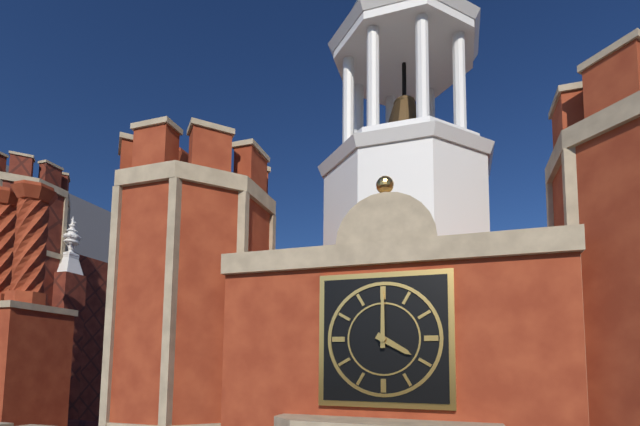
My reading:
h=4 m=0
